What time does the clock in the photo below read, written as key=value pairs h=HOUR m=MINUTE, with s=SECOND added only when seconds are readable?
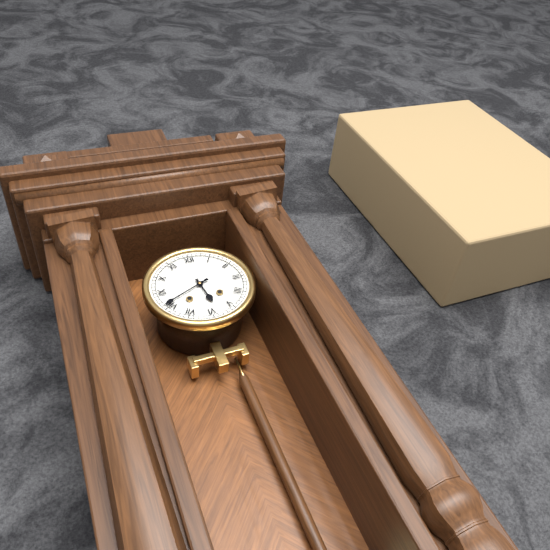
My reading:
h=5 m=41
